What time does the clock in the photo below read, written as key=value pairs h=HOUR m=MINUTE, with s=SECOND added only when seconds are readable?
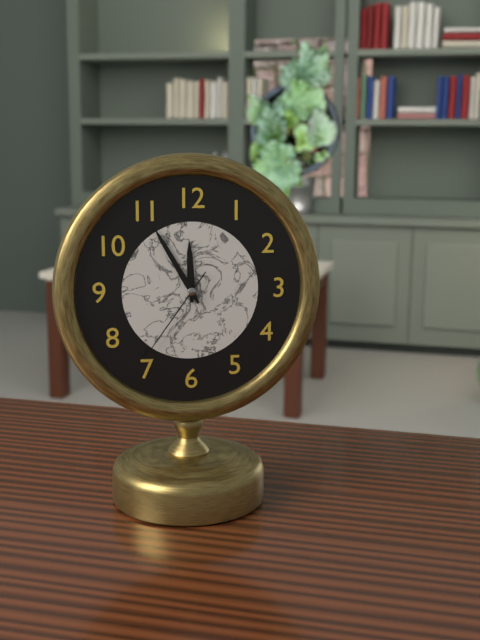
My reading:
h=11 m=55 s=36
